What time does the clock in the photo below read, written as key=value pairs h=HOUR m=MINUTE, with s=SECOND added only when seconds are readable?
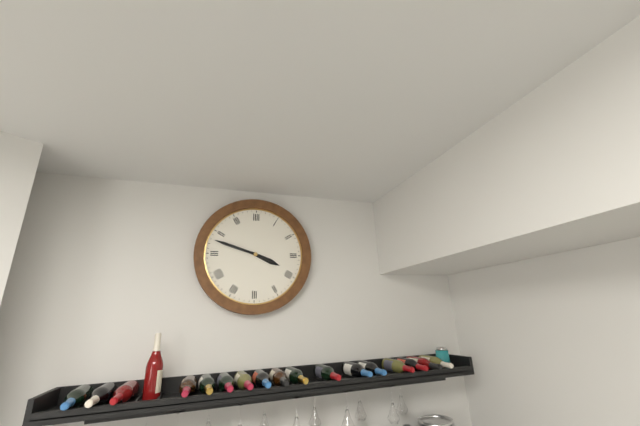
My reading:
h=3 m=48
